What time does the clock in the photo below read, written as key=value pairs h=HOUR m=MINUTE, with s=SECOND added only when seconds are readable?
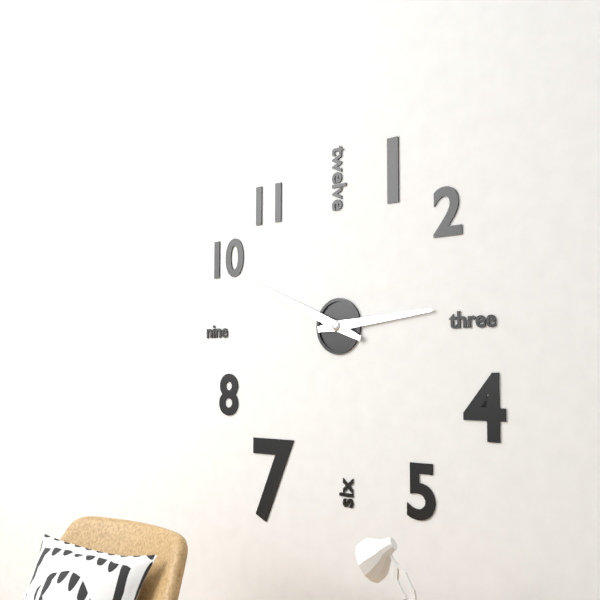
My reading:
h=2 m=49
